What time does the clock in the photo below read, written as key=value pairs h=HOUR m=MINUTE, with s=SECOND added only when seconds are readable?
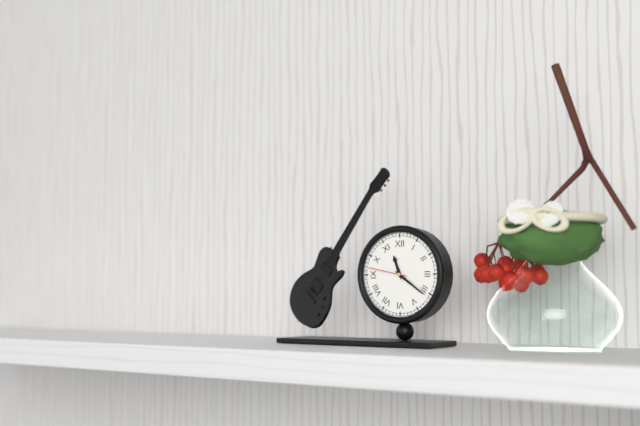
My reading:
h=11 m=21
